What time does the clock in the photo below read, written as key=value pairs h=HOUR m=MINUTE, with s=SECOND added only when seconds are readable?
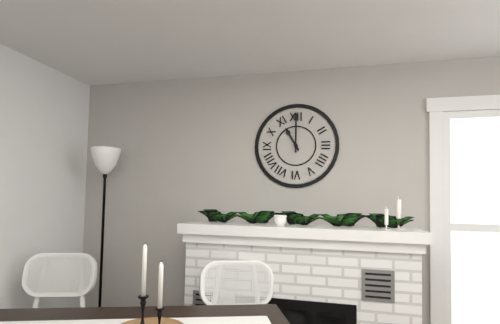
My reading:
h=11 m=0
